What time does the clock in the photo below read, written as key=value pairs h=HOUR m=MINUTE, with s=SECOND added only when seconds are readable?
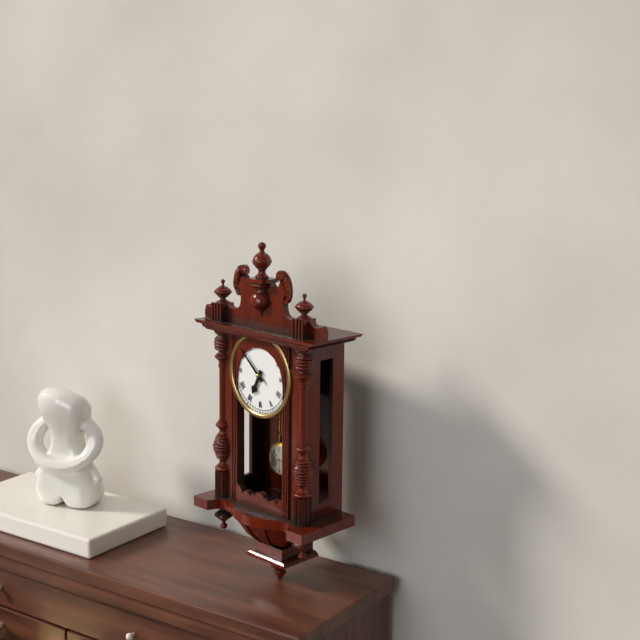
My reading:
h=6 m=52
